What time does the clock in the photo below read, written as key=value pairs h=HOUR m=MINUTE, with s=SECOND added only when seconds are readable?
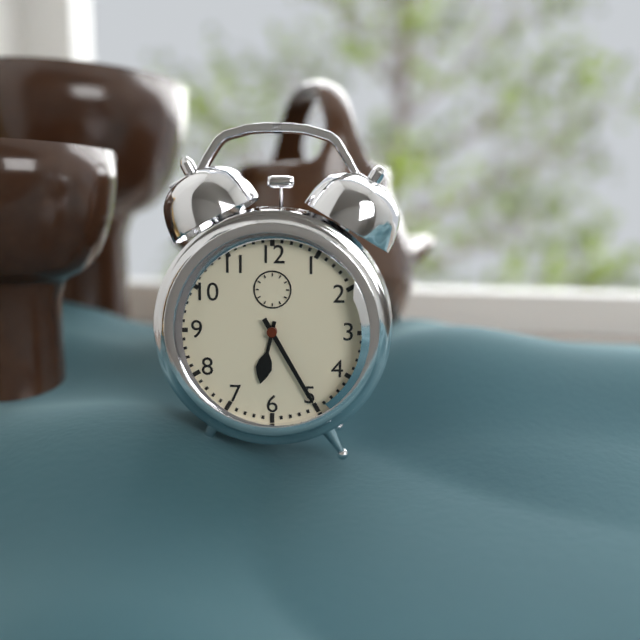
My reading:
h=6 m=25
